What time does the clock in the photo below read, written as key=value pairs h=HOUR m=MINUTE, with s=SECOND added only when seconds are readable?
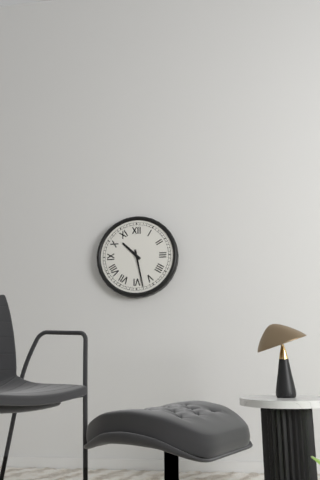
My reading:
h=10 m=28
